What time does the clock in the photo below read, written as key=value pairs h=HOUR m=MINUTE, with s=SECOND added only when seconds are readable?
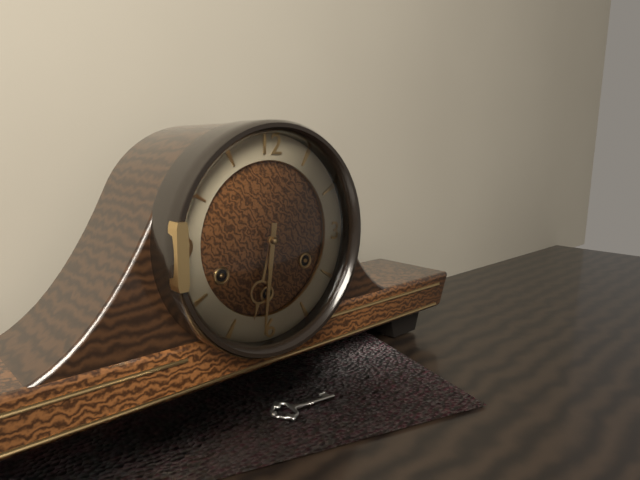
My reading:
h=6 m=31
